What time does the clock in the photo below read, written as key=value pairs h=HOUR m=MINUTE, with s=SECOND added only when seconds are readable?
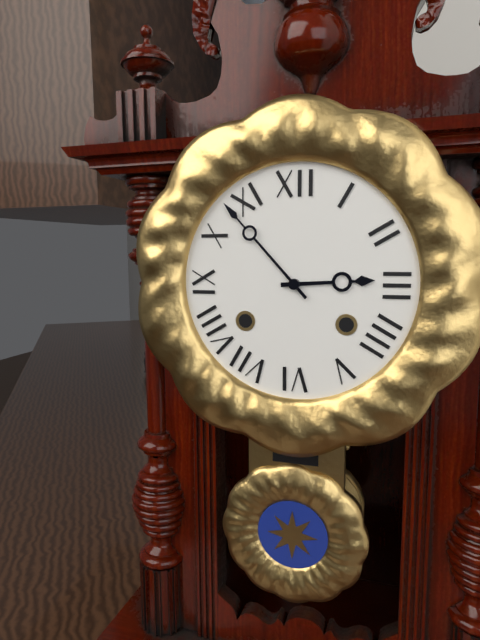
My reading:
h=2 m=53
